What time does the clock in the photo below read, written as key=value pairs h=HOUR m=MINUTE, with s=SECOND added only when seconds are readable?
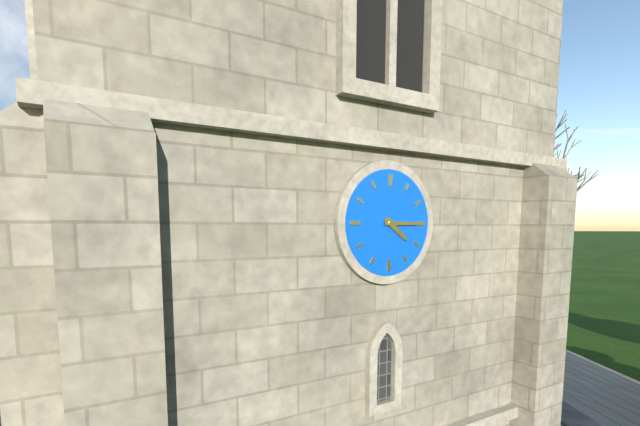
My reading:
h=4 m=15
